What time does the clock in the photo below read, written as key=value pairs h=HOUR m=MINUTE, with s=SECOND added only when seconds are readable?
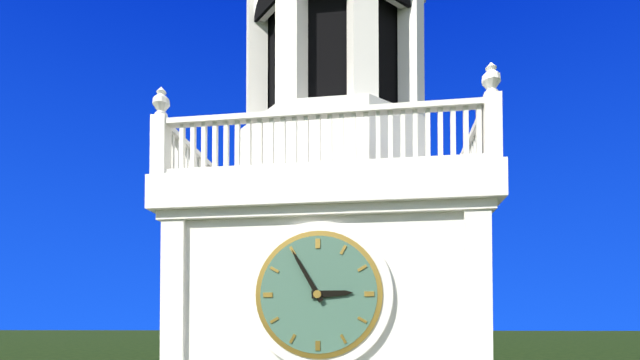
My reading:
h=2 m=55
